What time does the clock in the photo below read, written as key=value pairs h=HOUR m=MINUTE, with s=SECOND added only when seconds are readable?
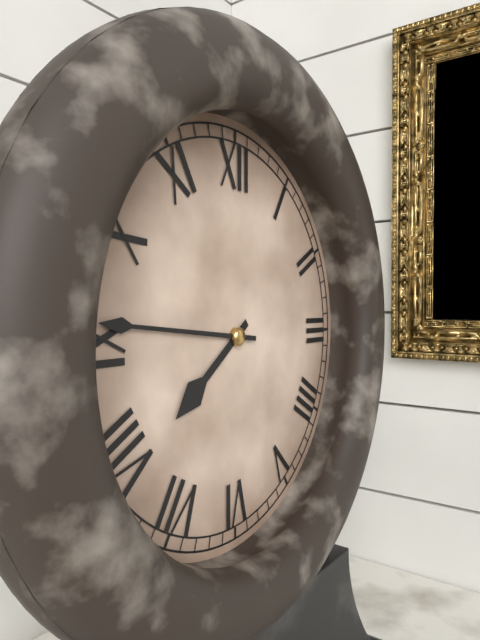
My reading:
h=7 m=46
